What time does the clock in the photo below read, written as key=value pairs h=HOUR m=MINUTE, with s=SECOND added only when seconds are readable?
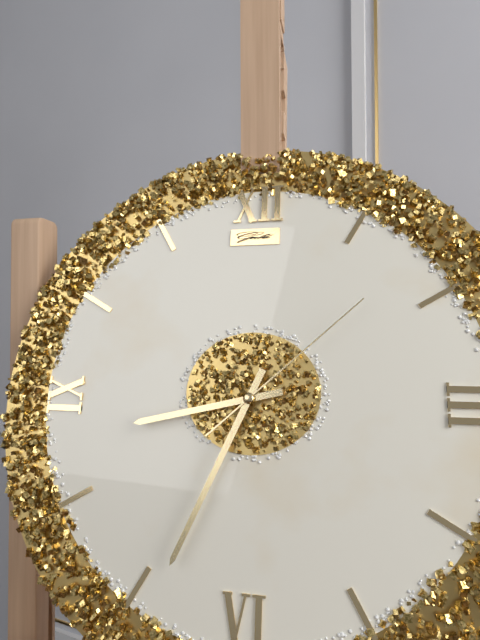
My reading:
h=8 m=34 s=8
